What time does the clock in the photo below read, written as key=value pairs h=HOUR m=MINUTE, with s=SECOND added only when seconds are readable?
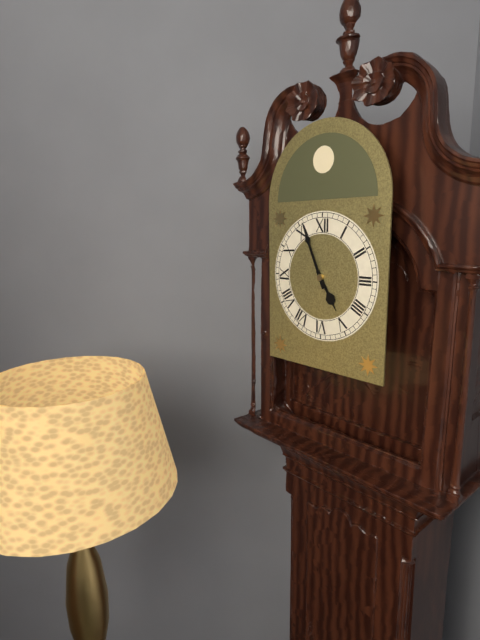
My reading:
h=4 m=56
